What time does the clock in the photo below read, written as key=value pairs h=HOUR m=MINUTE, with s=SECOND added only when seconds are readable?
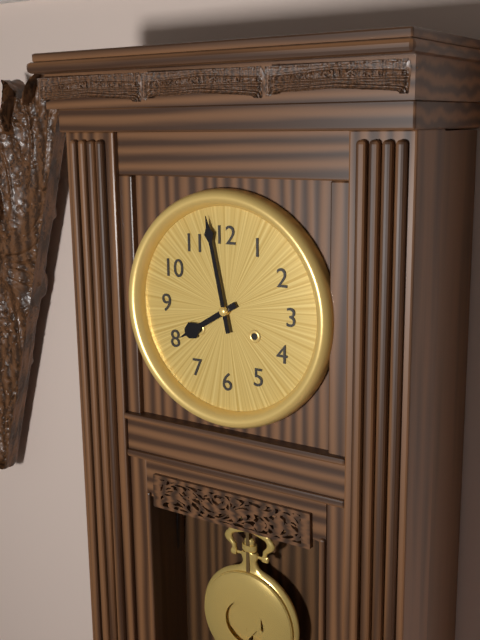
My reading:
h=7 m=58
